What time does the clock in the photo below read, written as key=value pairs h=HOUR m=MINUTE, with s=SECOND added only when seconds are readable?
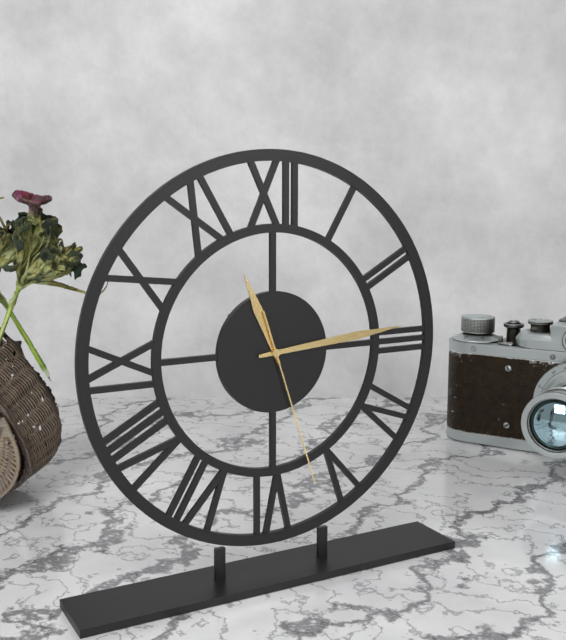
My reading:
h=11 m=14 s=27
